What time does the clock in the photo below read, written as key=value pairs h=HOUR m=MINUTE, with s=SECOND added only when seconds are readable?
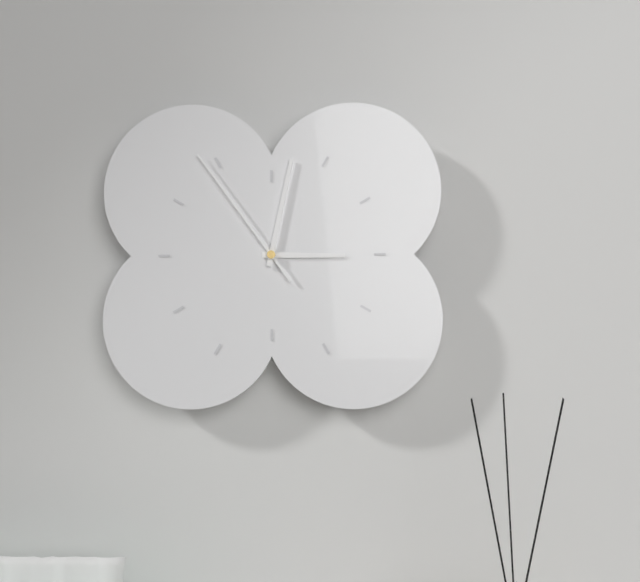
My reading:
h=3 m=2 s=54
